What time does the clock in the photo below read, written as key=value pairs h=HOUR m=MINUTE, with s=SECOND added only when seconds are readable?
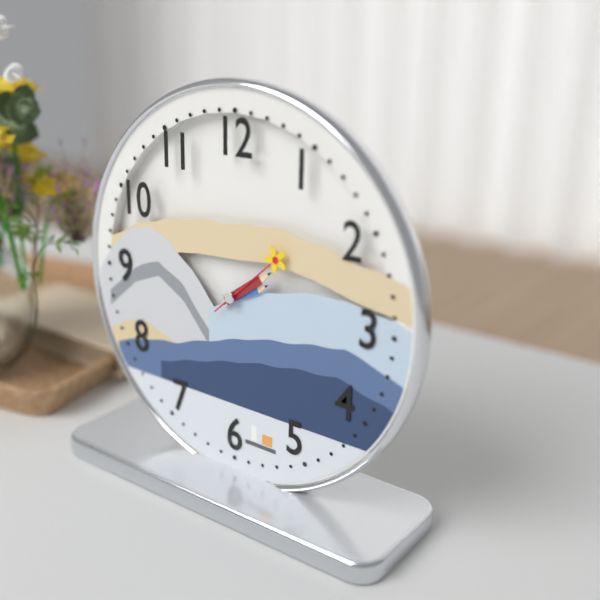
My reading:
h=2 m=9 s=8
